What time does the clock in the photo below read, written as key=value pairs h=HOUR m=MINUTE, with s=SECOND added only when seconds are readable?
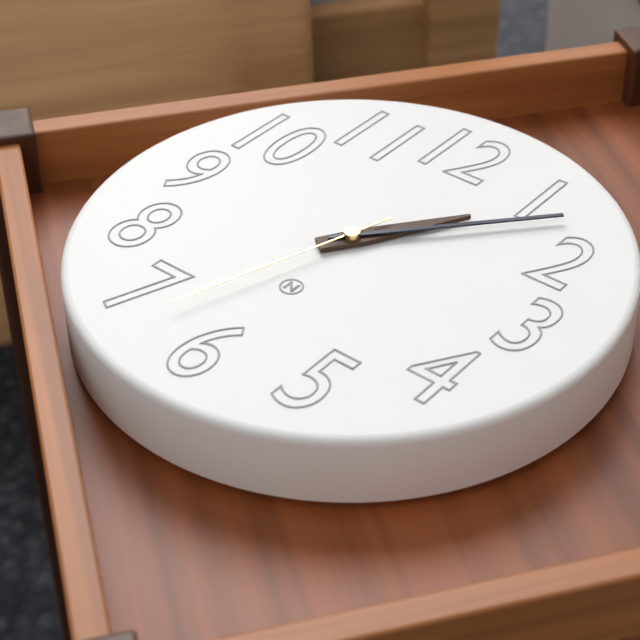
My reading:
h=1 m=7 s=33
